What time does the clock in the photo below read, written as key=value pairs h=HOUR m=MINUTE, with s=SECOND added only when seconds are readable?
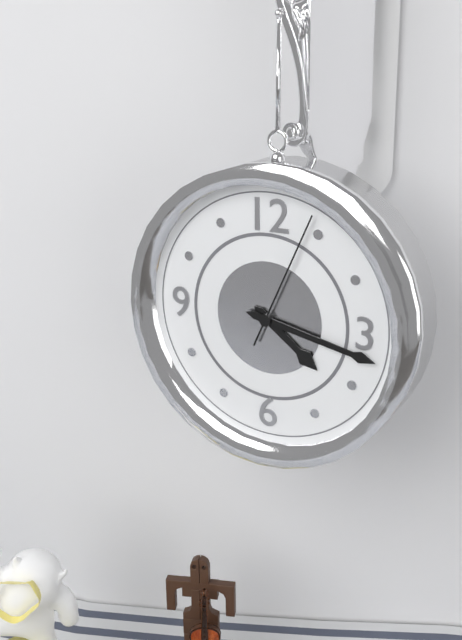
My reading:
h=4 m=17 s=4
